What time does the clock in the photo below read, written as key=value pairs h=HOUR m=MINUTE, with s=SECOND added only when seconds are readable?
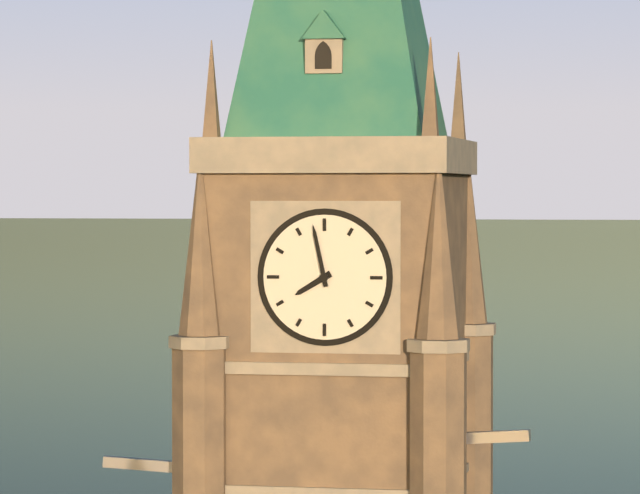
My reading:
h=7 m=58
